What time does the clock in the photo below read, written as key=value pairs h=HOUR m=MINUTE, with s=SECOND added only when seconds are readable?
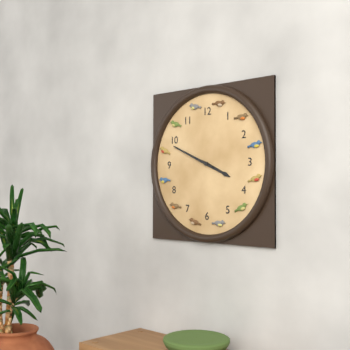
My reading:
h=3 m=49
